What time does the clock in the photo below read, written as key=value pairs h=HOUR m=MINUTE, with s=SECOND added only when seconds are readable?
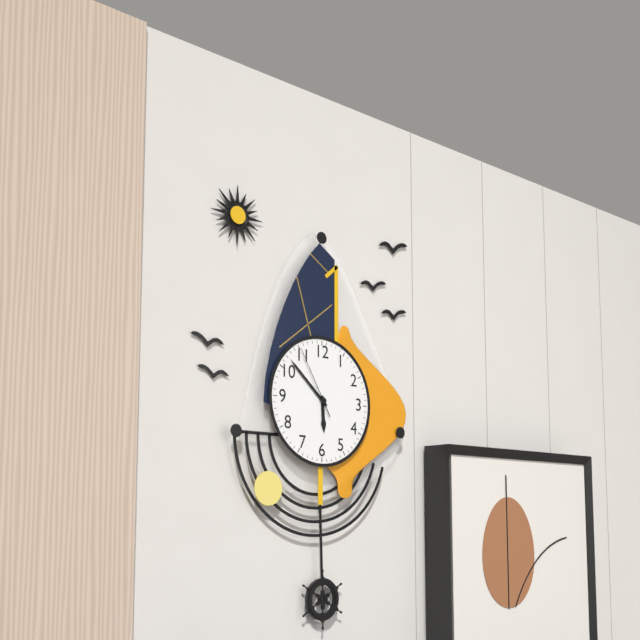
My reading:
h=5 m=52 s=55
